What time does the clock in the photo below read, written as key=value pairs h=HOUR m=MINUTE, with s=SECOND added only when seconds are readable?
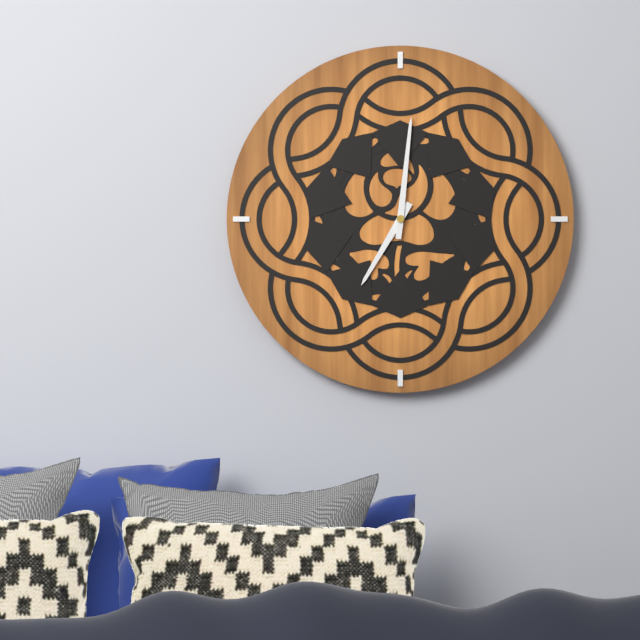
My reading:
h=7 m=1
